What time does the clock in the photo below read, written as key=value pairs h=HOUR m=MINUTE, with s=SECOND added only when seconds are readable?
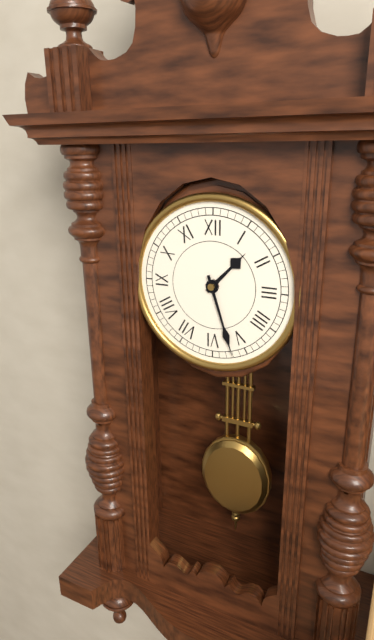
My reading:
h=1 m=27
